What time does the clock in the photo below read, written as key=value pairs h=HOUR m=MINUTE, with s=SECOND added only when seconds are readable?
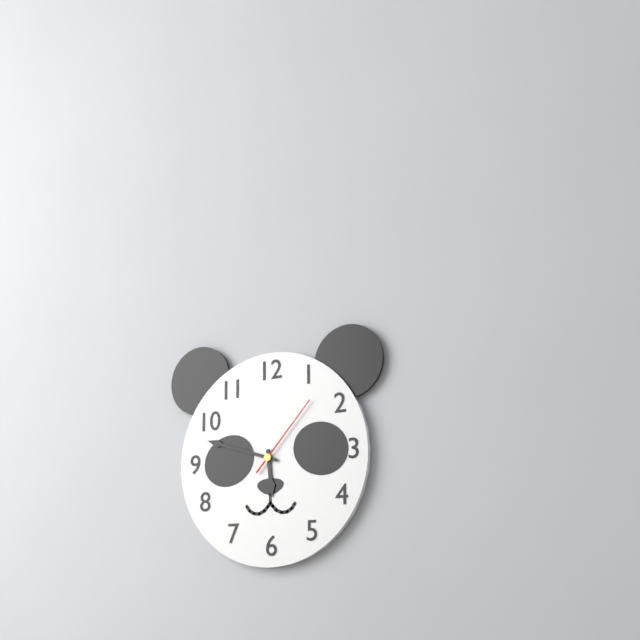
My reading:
h=5 m=48 s=7
